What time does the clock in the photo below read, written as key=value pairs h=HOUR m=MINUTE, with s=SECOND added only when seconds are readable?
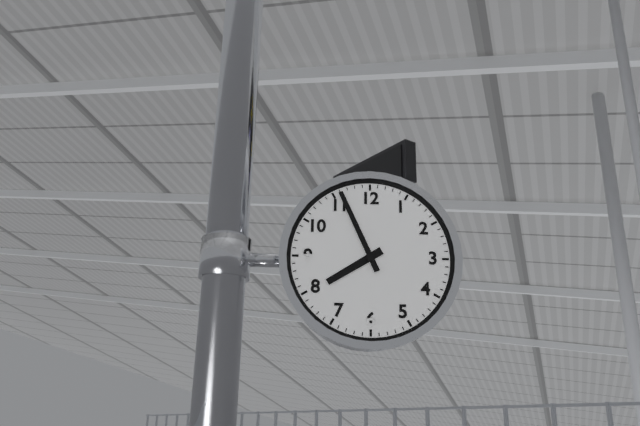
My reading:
h=7 m=56
